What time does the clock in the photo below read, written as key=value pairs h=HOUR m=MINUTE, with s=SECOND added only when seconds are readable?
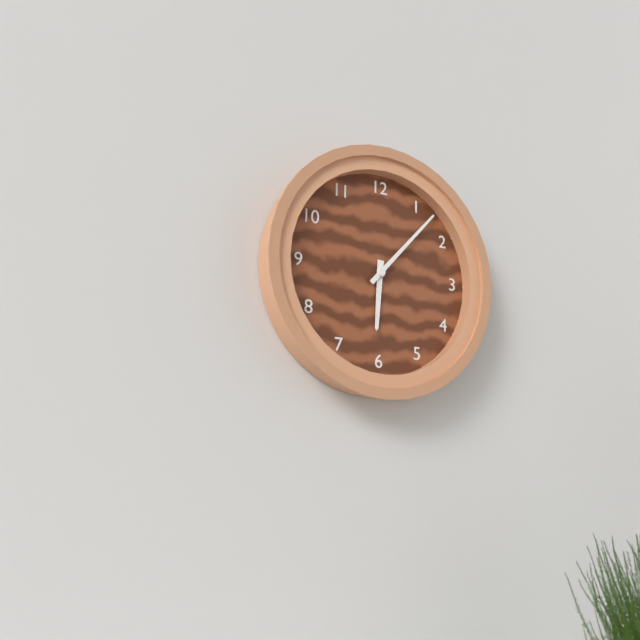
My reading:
h=6 m=7
